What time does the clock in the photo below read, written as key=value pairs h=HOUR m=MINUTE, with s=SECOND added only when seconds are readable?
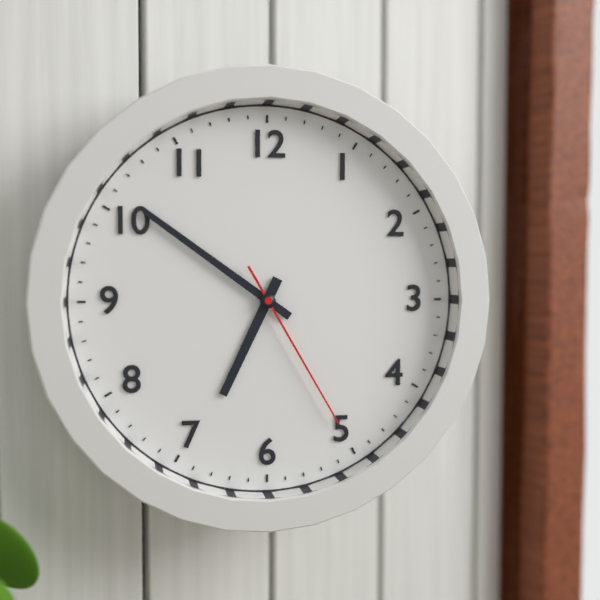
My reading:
h=6 m=51 s=25
